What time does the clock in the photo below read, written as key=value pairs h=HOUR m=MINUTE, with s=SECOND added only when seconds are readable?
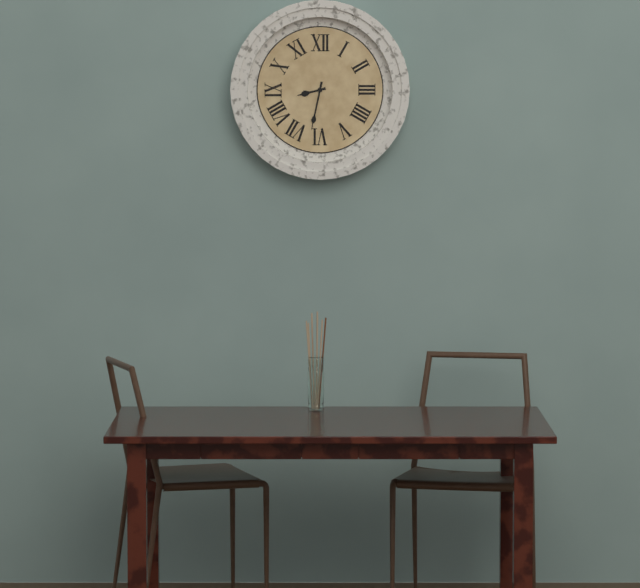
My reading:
h=8 m=32
